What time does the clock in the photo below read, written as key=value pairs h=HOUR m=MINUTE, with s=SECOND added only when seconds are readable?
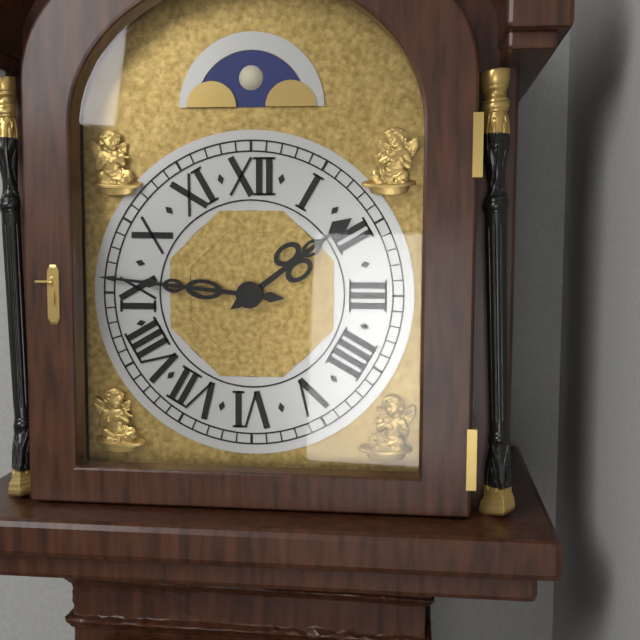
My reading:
h=1 m=46
